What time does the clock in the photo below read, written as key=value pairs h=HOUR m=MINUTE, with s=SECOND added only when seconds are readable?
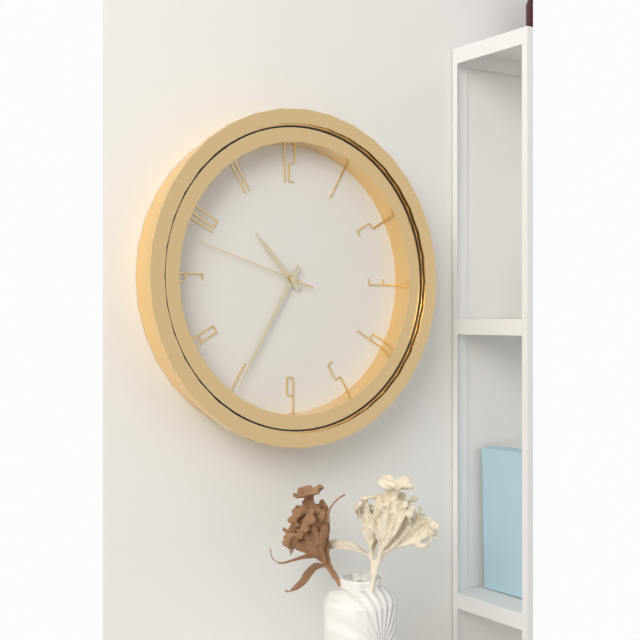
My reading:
h=10 m=35 s=48
